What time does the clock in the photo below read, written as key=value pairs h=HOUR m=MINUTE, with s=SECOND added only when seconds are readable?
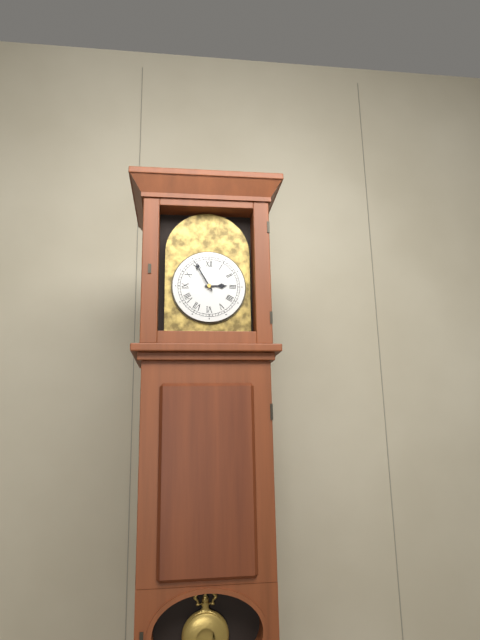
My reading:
h=2 m=55
